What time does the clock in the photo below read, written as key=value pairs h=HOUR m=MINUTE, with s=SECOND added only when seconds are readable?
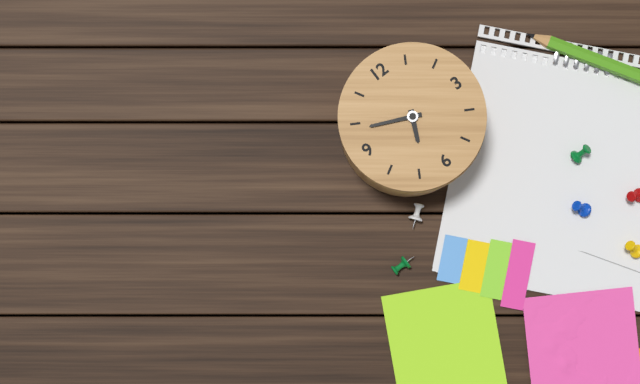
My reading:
h=6 m=49
